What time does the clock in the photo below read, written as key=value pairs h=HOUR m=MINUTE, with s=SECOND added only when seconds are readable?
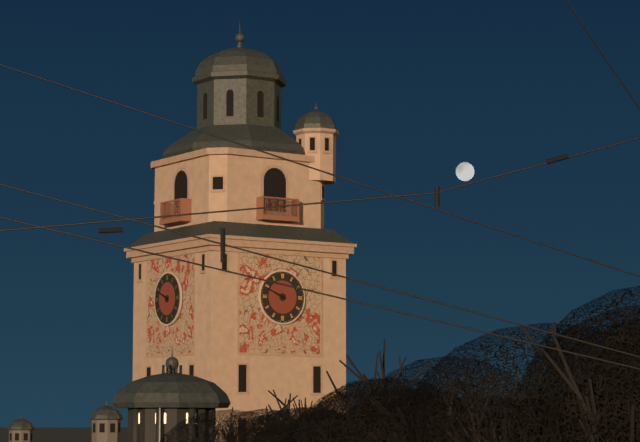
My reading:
h=9 m=49
